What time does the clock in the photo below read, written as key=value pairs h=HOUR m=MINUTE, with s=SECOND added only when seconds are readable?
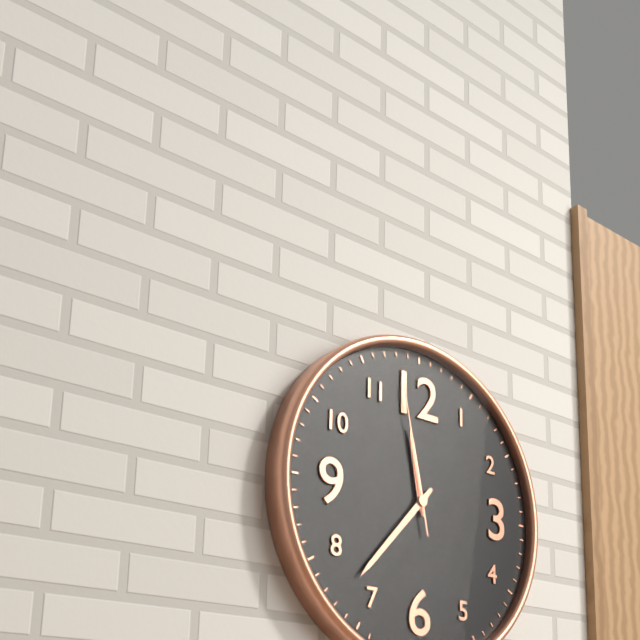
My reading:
h=11 m=37 s=58
